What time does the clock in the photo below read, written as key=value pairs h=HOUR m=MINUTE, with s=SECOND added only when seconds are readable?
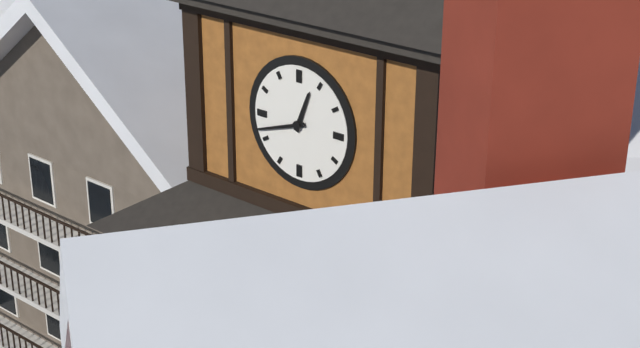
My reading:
h=12 m=42
